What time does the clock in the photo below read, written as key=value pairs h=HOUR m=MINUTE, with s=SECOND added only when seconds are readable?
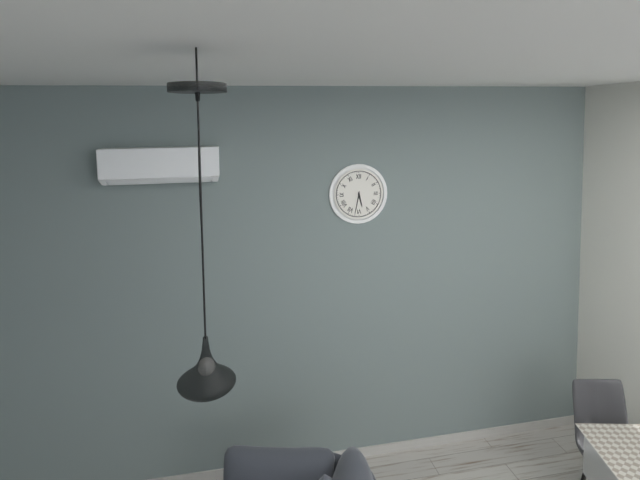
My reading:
h=5 m=32
